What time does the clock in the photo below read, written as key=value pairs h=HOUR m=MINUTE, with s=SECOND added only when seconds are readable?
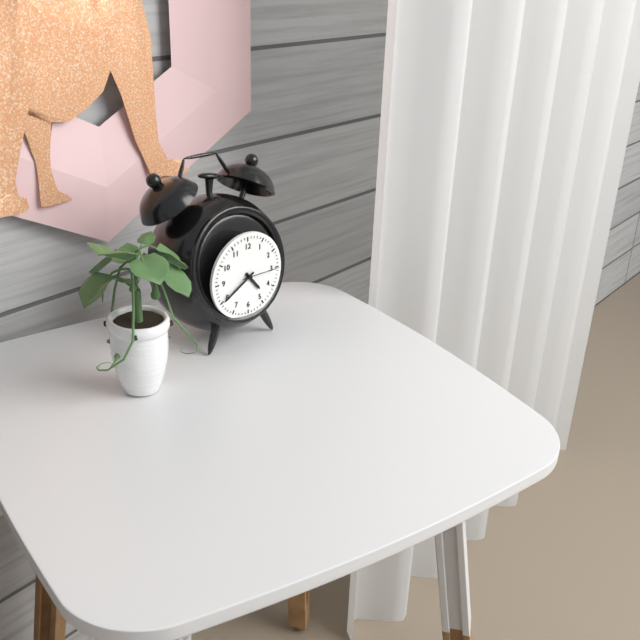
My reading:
h=4 m=40
